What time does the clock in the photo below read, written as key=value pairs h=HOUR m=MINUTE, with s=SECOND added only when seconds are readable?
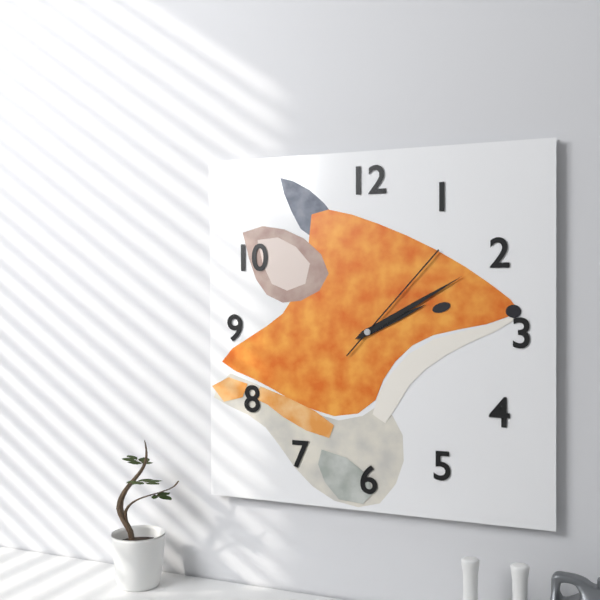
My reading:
h=2 m=10 s=7
